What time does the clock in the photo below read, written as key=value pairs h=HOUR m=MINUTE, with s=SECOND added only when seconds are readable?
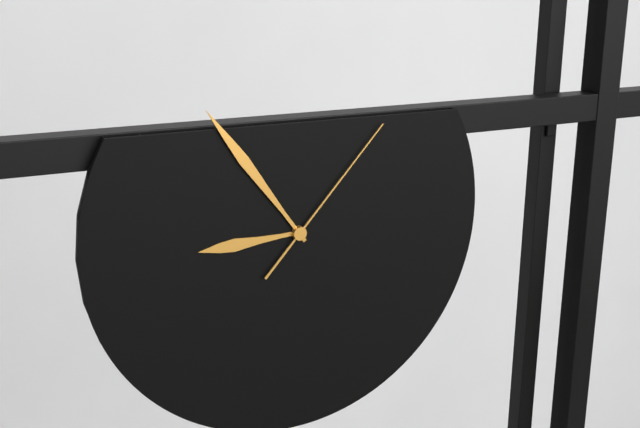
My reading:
h=8 m=54 s=7
